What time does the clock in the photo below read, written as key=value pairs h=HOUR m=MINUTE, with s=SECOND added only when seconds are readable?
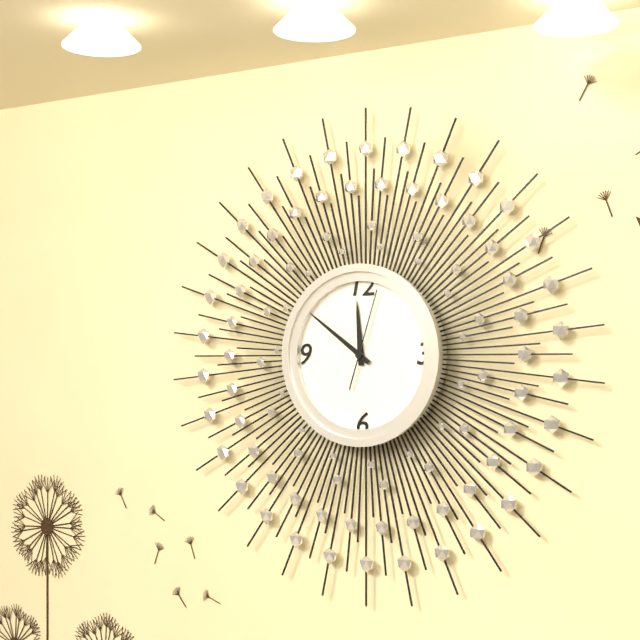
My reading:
h=11 m=51 s=3
